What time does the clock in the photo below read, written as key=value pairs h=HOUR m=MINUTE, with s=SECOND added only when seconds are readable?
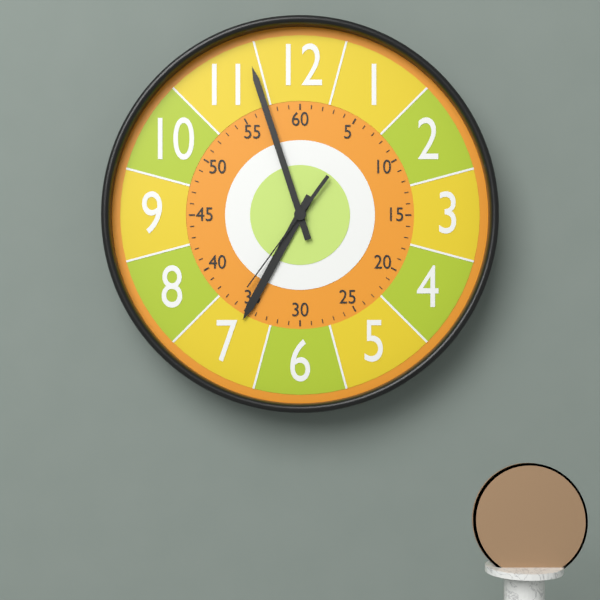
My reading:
h=6 m=57 s=36
